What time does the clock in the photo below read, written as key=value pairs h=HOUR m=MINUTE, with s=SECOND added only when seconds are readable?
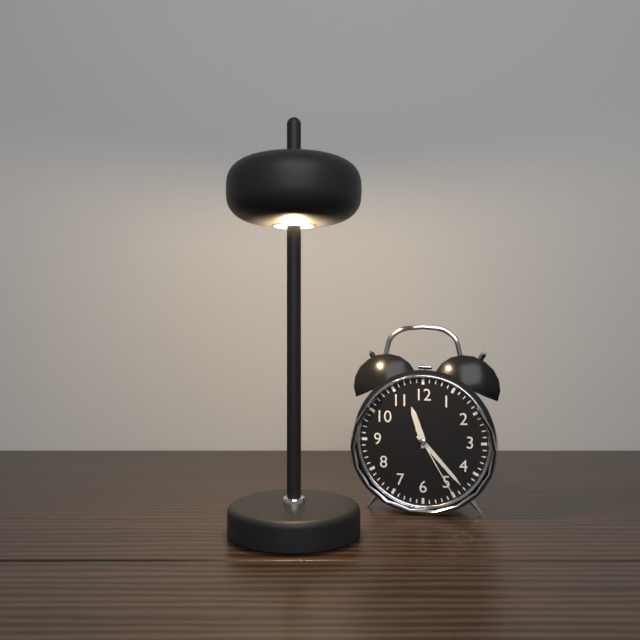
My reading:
h=11 m=23 s=25
